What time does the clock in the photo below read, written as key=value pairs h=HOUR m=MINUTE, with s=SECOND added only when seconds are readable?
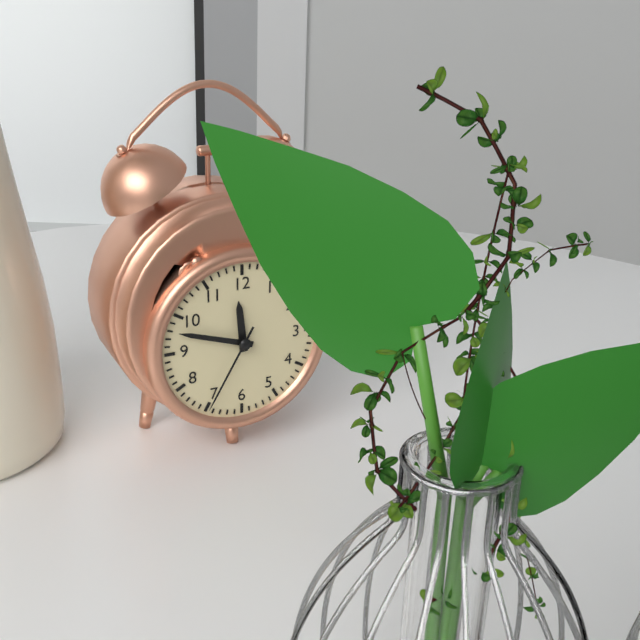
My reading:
h=11 m=48 s=35
